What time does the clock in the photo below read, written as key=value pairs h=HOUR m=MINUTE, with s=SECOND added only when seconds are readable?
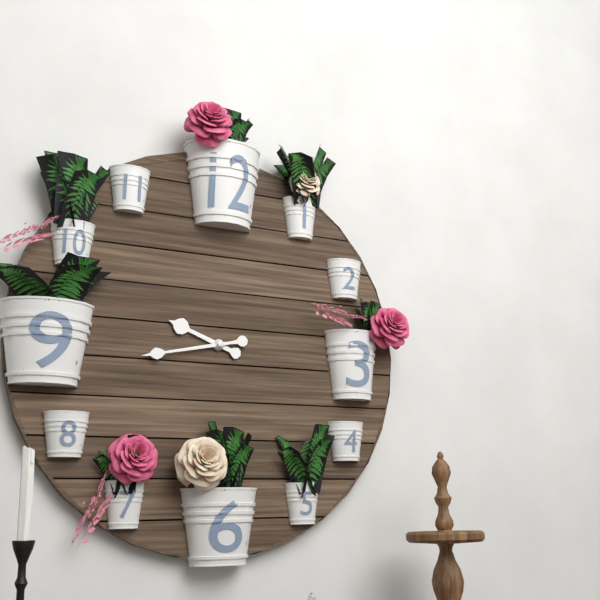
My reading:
h=9 m=43
